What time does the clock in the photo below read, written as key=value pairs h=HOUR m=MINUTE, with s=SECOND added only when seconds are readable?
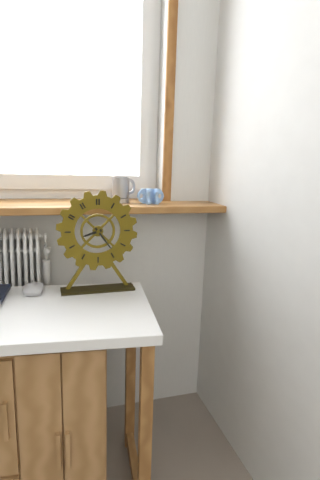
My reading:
h=8 m=24
